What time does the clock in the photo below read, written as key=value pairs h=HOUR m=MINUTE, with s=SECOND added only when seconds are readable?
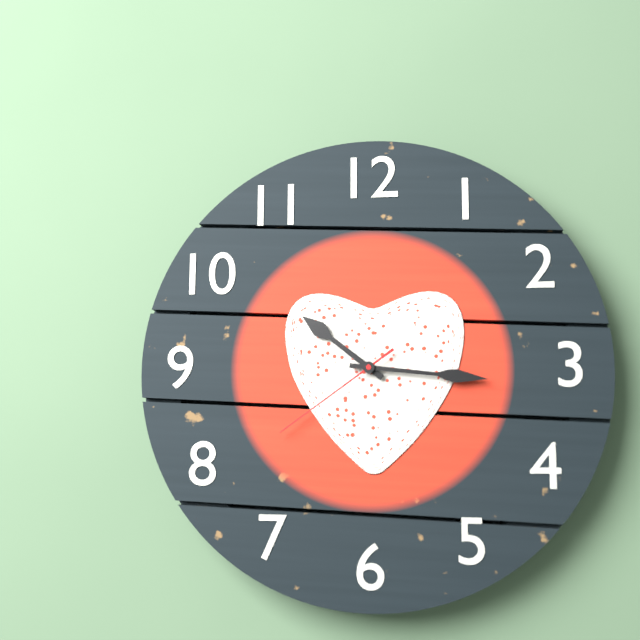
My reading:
h=10 m=16 s=39
